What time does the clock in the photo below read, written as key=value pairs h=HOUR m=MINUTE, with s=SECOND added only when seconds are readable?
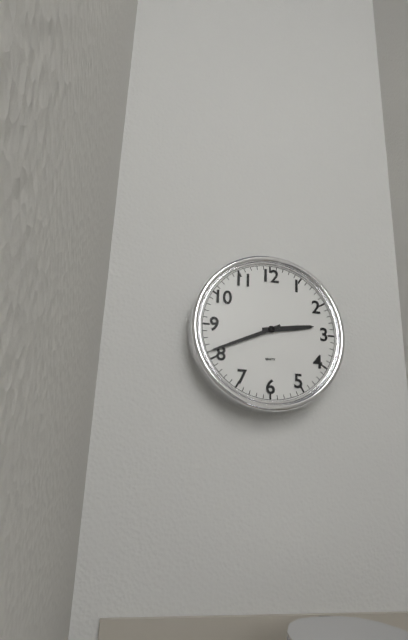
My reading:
h=2 m=41
